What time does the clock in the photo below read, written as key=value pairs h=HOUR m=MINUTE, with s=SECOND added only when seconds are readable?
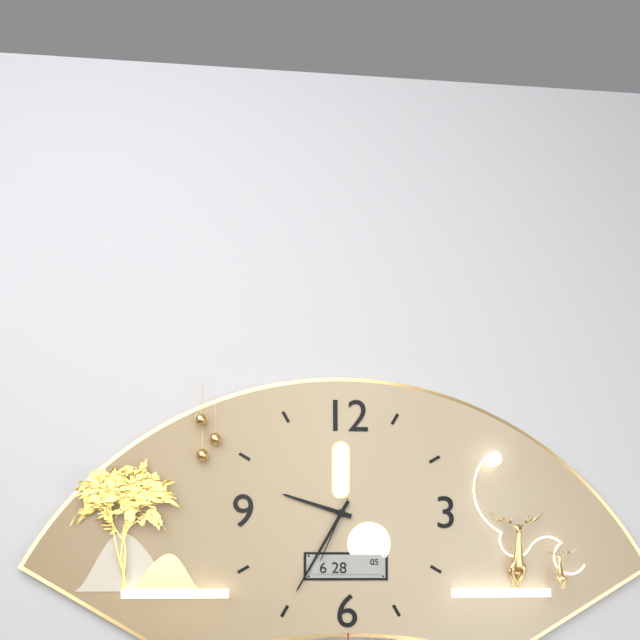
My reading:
h=9 m=35 s=34
